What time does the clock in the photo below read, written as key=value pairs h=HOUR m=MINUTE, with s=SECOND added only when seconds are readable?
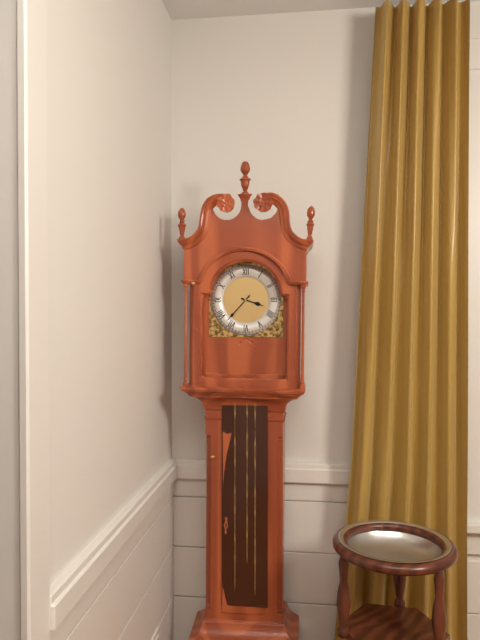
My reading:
h=3 m=37
